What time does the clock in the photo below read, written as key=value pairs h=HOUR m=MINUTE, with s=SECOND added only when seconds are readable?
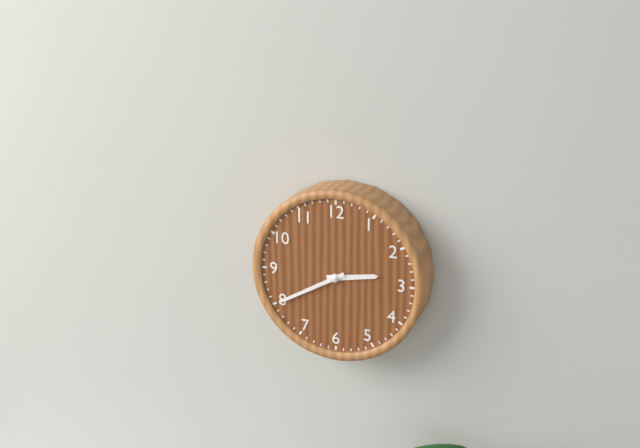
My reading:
h=2 m=40
